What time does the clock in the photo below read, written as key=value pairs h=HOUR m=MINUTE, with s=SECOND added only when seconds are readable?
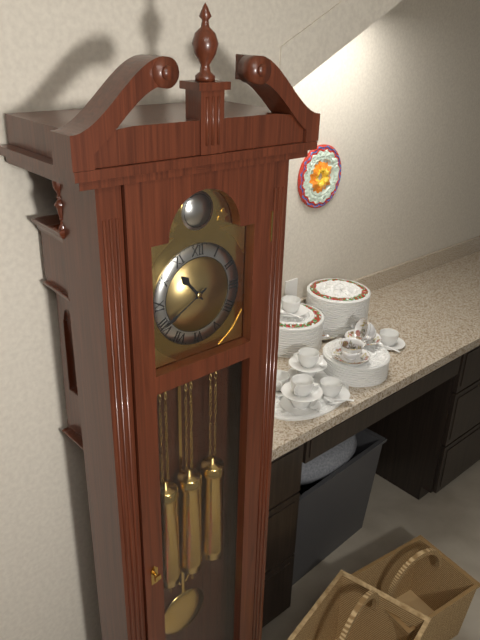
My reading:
h=10 m=40
